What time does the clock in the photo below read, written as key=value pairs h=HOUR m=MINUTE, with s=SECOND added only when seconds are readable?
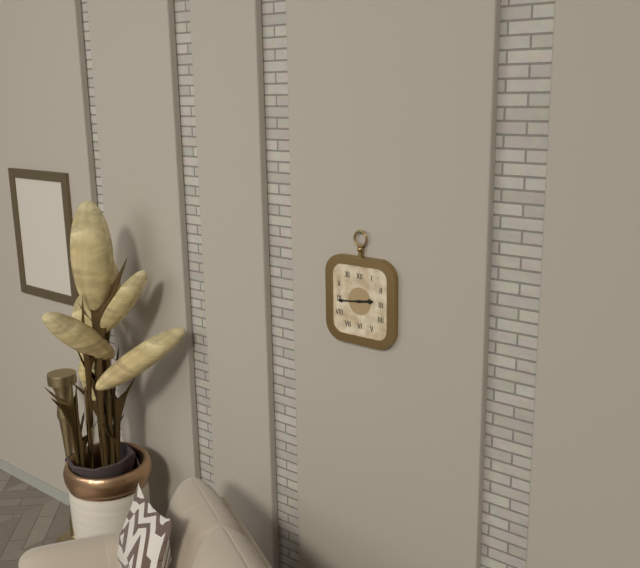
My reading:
h=2 m=44
